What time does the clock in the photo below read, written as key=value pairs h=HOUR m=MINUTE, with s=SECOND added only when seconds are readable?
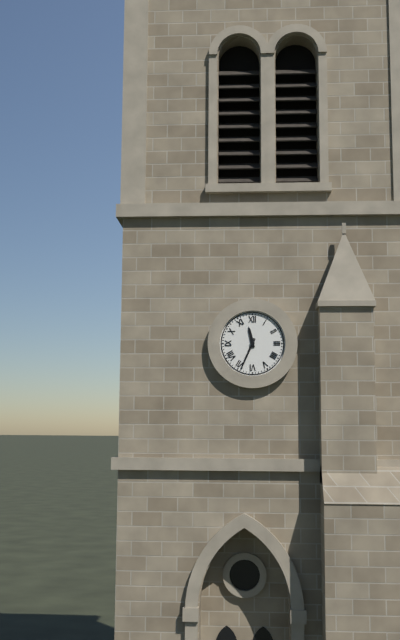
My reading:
h=11 m=34
